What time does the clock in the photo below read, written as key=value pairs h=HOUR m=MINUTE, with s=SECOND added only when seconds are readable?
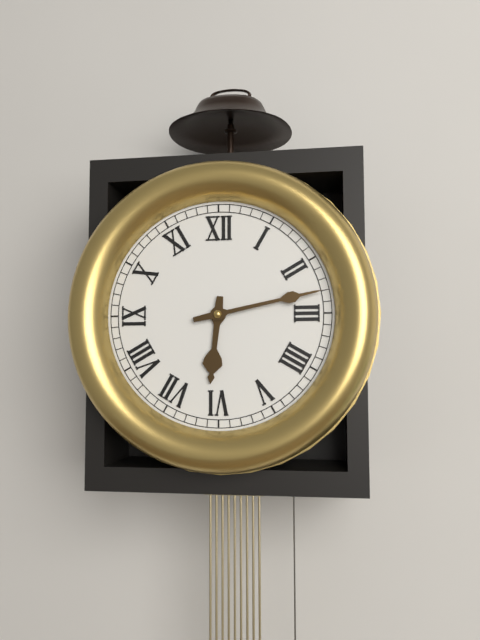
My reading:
h=6 m=13
